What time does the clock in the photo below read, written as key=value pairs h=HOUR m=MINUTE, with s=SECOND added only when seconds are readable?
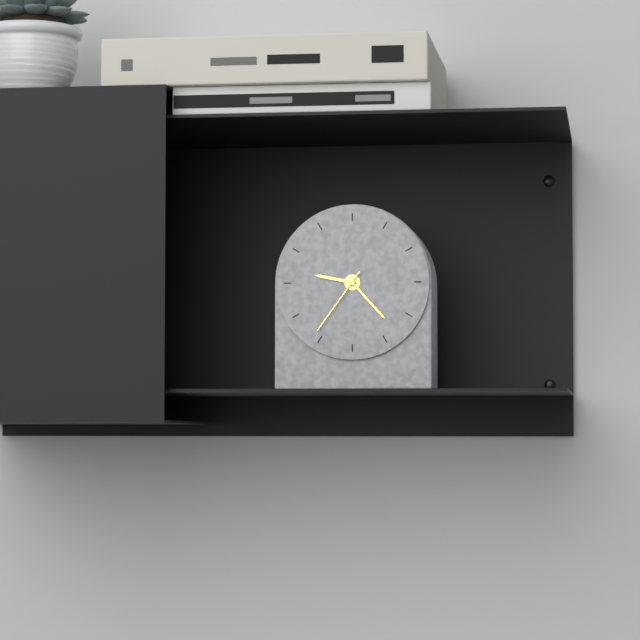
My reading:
h=9 m=23 s=36
